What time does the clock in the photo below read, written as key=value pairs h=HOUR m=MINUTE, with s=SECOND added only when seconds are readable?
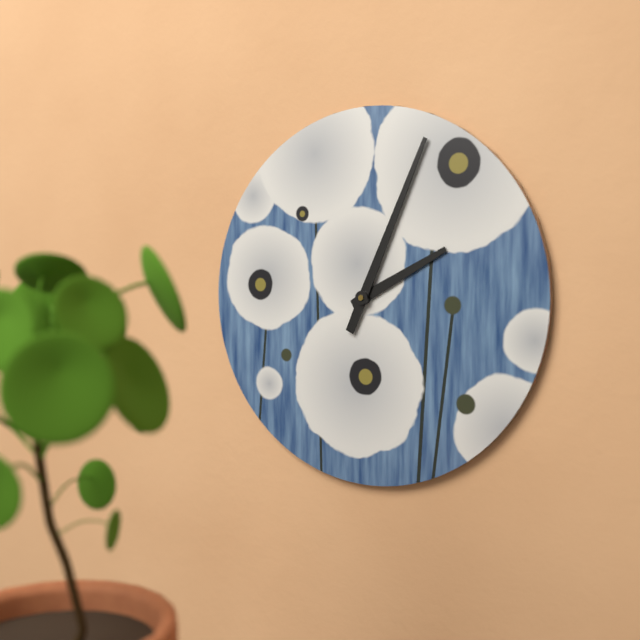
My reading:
h=2 m=4
